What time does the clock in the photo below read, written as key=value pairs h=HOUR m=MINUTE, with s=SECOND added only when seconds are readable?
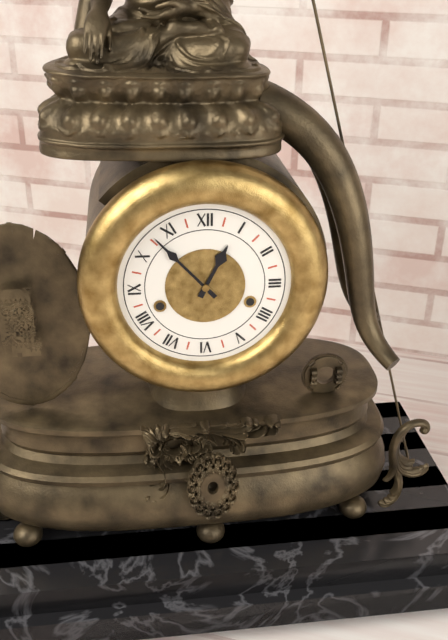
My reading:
h=12 m=53
